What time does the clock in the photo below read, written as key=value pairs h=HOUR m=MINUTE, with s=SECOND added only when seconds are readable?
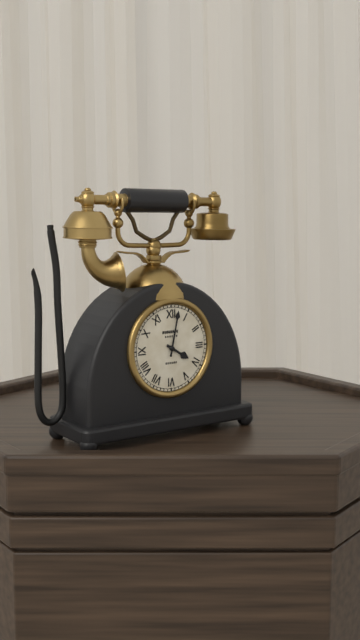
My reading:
h=4 m=2
